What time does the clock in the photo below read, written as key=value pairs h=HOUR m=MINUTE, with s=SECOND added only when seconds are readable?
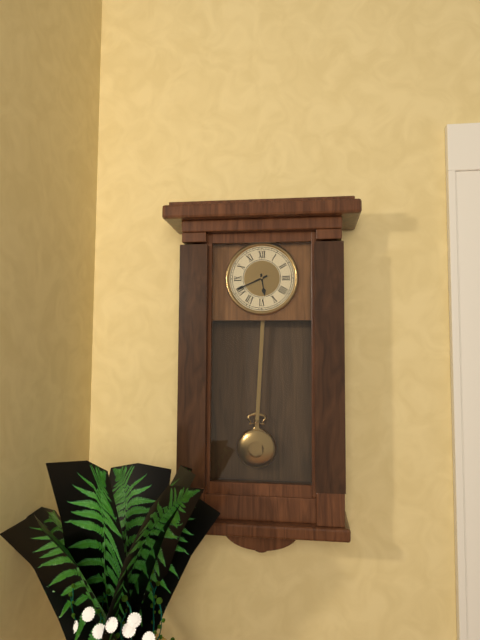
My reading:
h=5 m=41
